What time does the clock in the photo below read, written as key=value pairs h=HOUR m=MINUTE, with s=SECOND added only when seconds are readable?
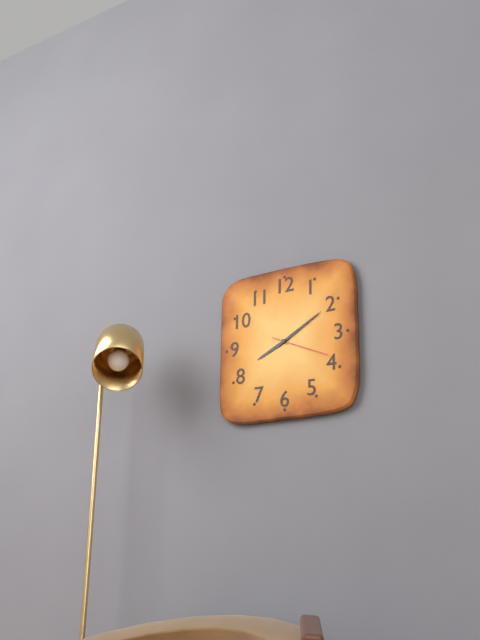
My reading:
h=8 m=10 s=19
